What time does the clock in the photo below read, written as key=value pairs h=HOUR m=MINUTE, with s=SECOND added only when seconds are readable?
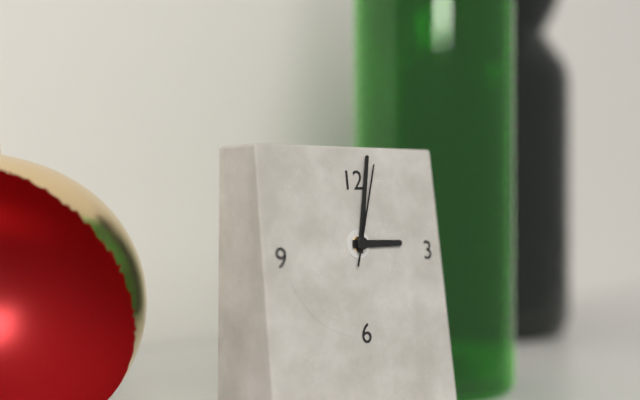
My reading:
h=3 m=2 s=3
